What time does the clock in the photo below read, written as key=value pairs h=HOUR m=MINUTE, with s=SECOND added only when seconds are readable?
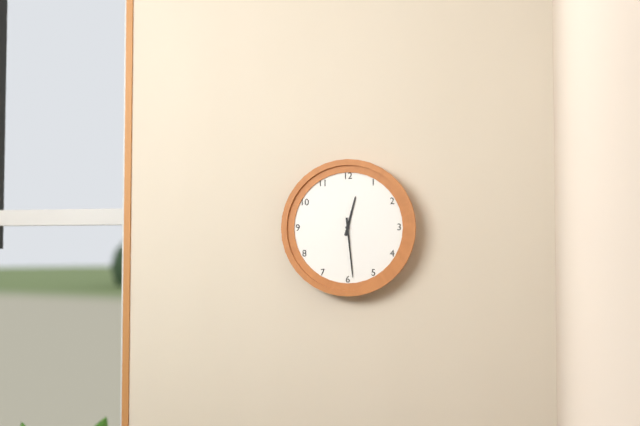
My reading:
h=12 m=29
